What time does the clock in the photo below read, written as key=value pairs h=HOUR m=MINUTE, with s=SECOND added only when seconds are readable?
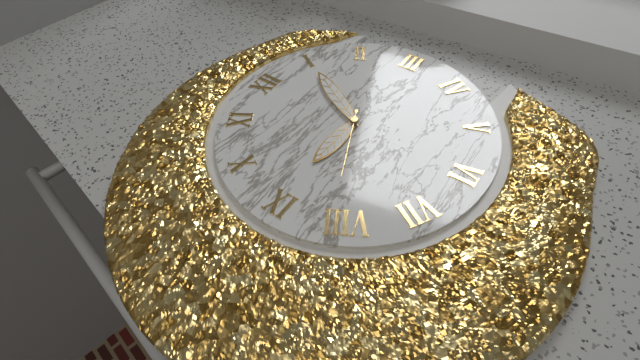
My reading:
h=9 m=5 s=41
